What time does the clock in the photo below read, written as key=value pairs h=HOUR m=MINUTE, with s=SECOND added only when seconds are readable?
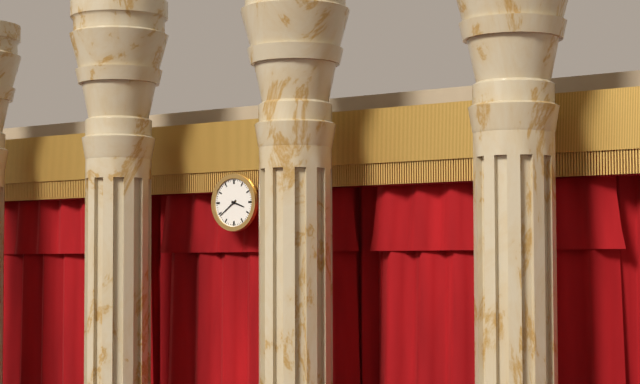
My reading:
h=3 m=39
